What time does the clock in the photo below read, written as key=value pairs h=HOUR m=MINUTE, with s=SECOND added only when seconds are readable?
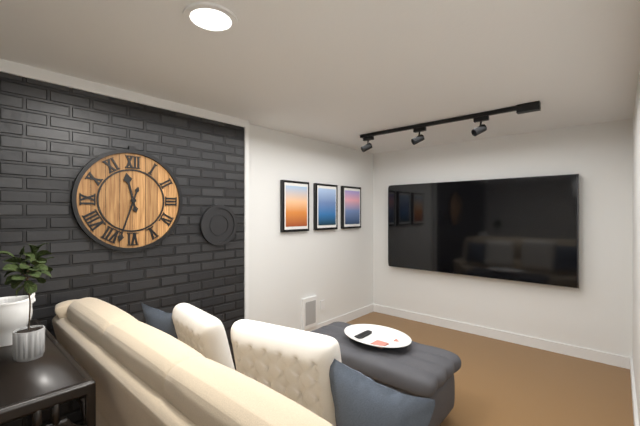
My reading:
h=11 m=33
